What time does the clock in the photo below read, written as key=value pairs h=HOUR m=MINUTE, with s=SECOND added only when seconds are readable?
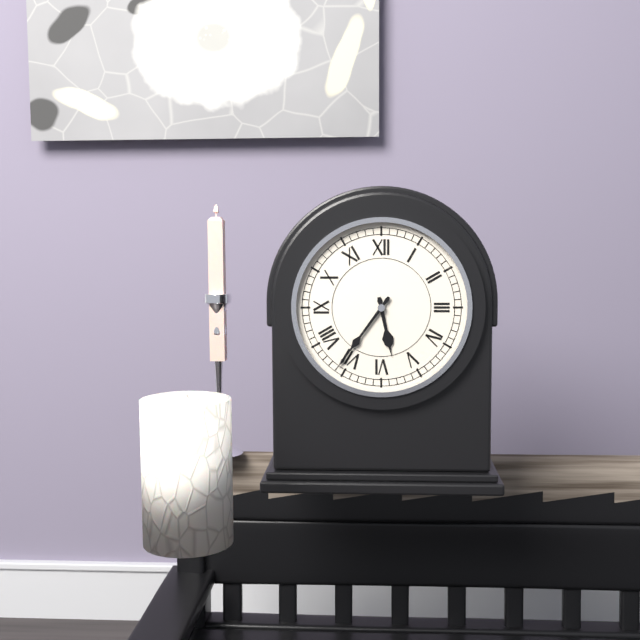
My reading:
h=5 m=36
